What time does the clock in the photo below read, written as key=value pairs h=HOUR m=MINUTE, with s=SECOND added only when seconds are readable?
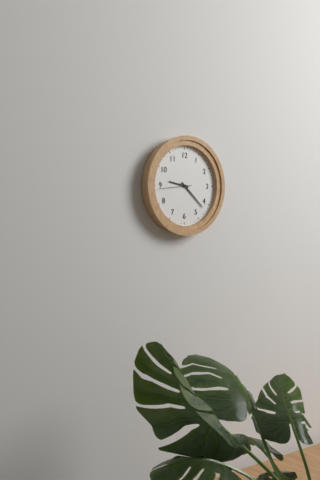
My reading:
h=9 m=22
